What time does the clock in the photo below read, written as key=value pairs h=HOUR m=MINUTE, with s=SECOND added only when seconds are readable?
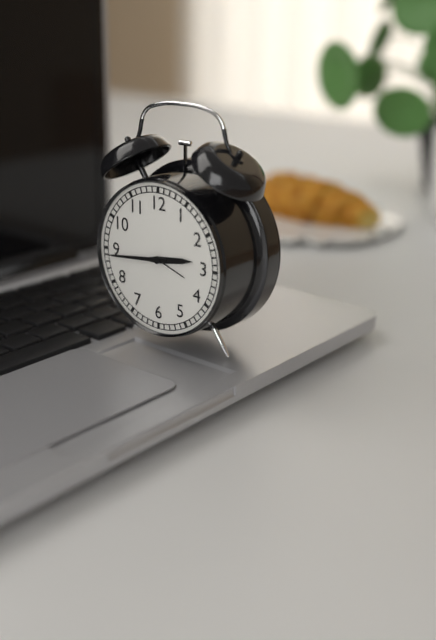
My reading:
h=2 m=44
